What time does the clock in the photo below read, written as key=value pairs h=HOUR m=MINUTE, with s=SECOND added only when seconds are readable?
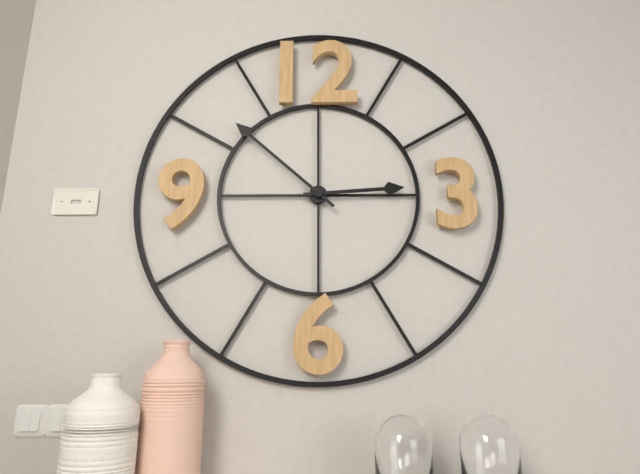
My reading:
h=2 m=52
